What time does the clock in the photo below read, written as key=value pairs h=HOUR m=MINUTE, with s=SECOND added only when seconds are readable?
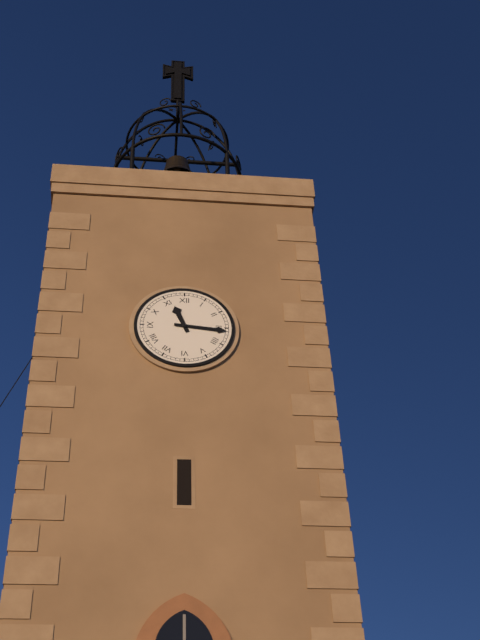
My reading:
h=11 m=16
